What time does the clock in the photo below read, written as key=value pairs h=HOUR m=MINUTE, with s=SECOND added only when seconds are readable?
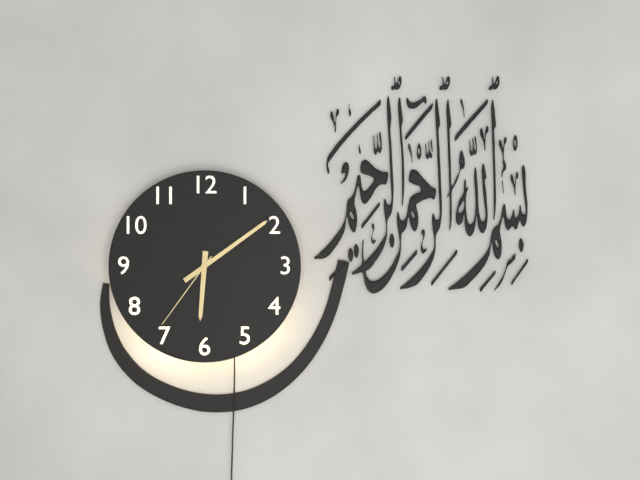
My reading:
h=6 m=9 s=36
